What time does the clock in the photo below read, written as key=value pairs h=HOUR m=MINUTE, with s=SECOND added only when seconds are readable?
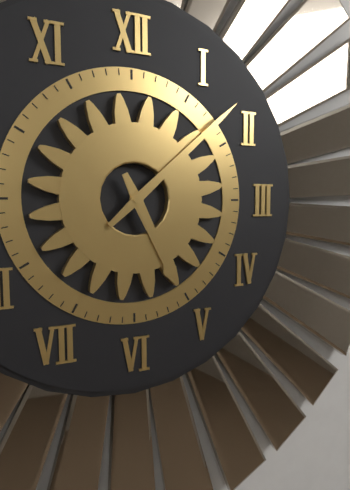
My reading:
h=5 m=8
